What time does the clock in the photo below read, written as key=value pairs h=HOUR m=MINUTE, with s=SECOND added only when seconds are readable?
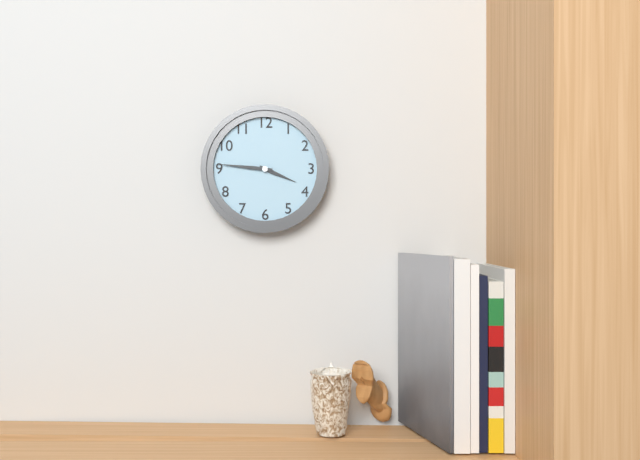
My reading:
h=3 m=46
